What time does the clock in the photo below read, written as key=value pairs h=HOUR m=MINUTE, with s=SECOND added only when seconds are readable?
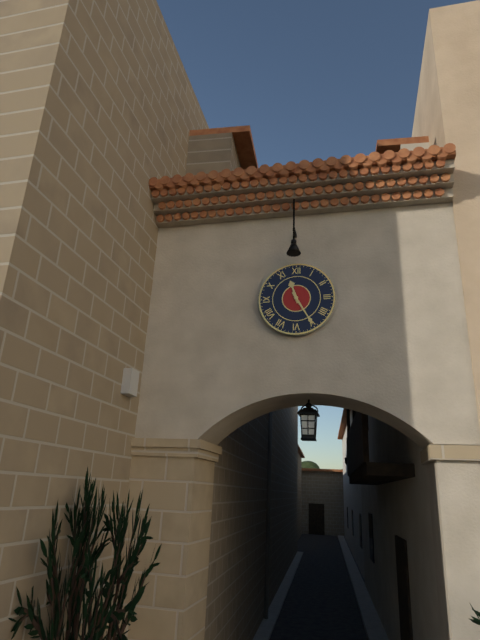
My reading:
h=11 m=25
